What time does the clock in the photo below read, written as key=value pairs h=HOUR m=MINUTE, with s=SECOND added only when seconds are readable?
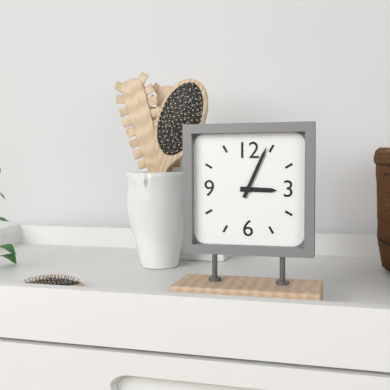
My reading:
h=3 m=4
